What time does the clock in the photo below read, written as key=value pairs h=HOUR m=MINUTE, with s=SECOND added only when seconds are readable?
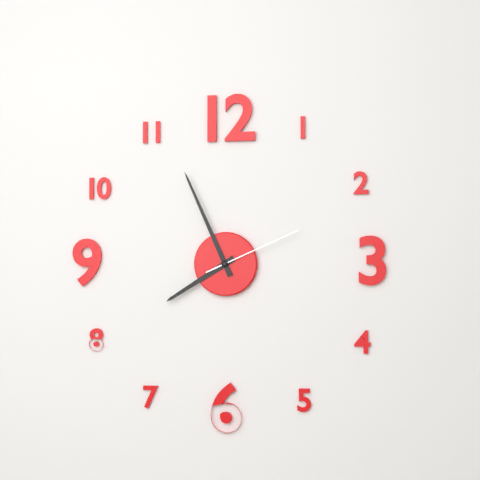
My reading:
h=7 m=56 s=11
